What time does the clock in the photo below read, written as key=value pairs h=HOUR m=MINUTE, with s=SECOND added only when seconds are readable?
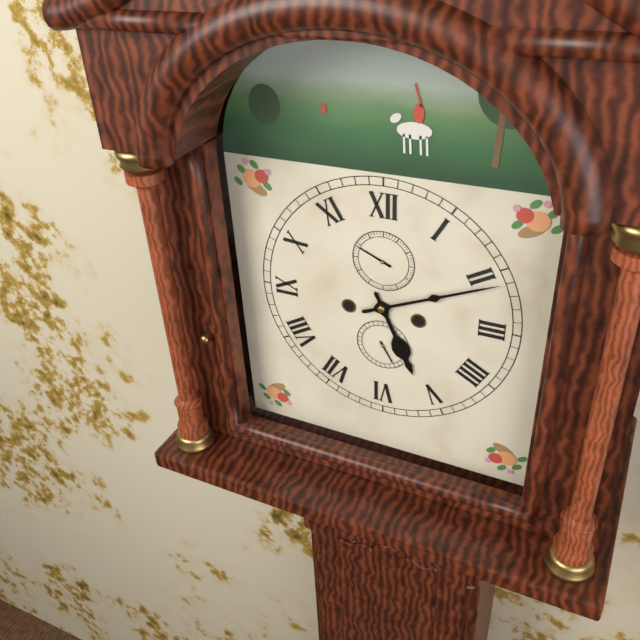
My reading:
h=5 m=11
